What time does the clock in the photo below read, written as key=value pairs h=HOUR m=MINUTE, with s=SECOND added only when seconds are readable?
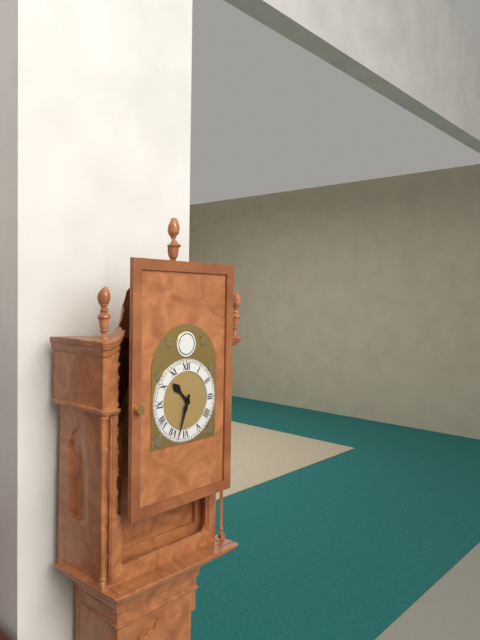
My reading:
h=10 m=33
